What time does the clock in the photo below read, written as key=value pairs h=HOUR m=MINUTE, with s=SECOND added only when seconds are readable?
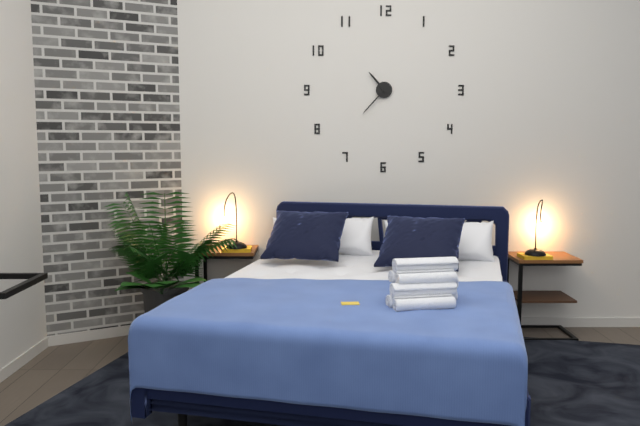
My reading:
h=10 m=37
